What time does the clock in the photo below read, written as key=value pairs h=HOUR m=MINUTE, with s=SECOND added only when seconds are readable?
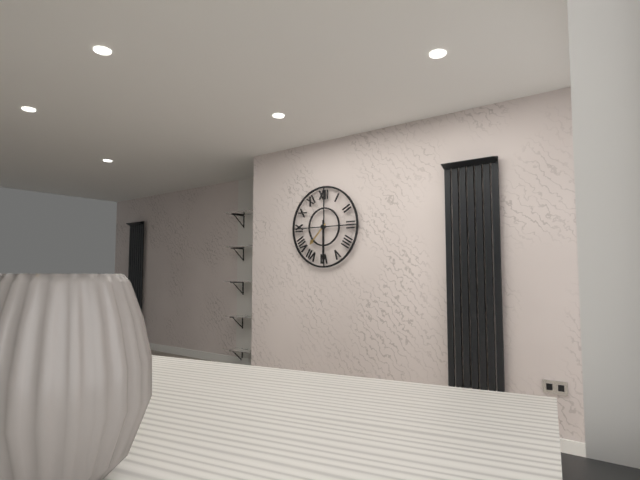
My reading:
h=7 m=30
